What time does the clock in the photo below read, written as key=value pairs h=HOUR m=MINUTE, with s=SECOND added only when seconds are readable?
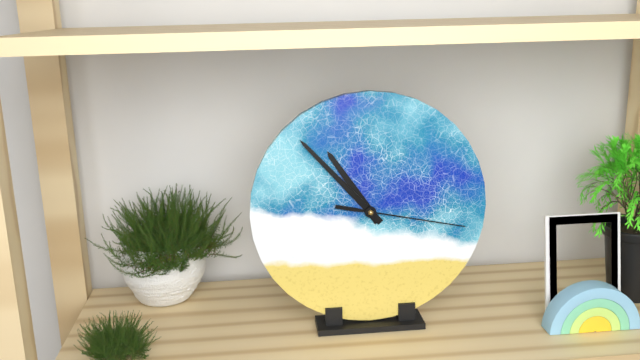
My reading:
h=10 m=53 s=17
